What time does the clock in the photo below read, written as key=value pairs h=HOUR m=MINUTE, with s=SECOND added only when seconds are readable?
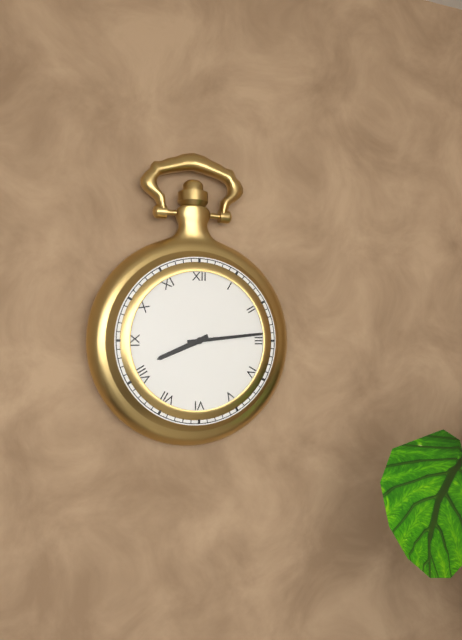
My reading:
h=8 m=14
